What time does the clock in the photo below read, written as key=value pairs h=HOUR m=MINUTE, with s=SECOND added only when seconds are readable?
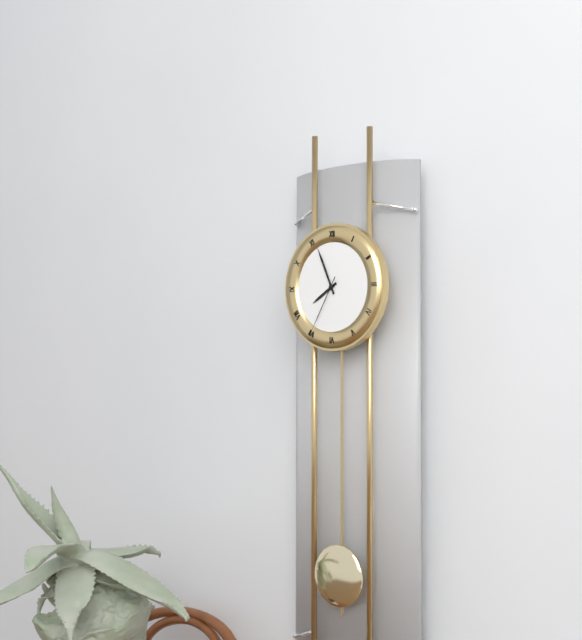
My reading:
h=7 m=56 s=35
